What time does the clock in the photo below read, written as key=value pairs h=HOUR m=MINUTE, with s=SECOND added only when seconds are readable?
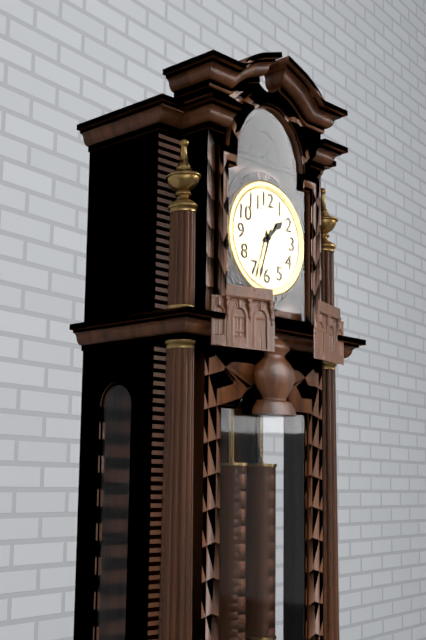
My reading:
h=1 m=33
